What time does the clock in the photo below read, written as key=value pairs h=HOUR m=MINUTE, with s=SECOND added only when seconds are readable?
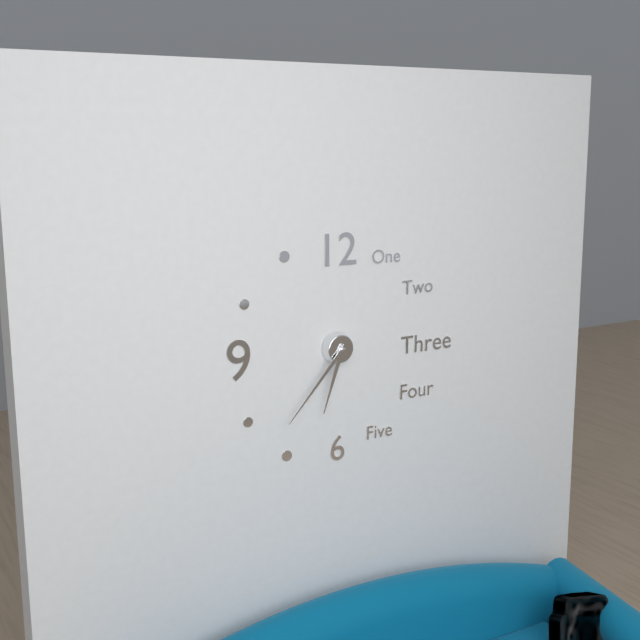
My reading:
h=6 m=37
